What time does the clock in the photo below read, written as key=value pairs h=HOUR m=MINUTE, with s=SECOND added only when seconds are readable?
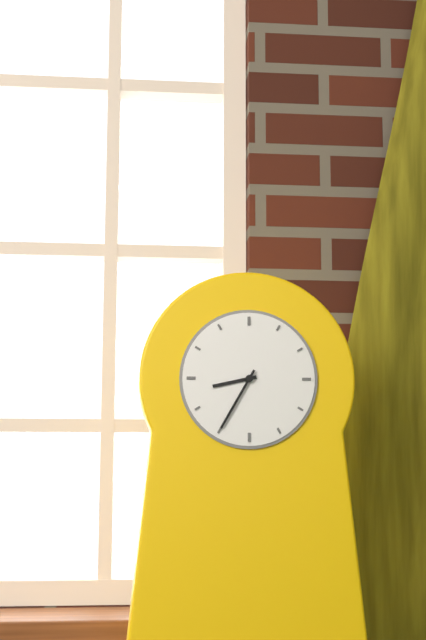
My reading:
h=8 m=35
